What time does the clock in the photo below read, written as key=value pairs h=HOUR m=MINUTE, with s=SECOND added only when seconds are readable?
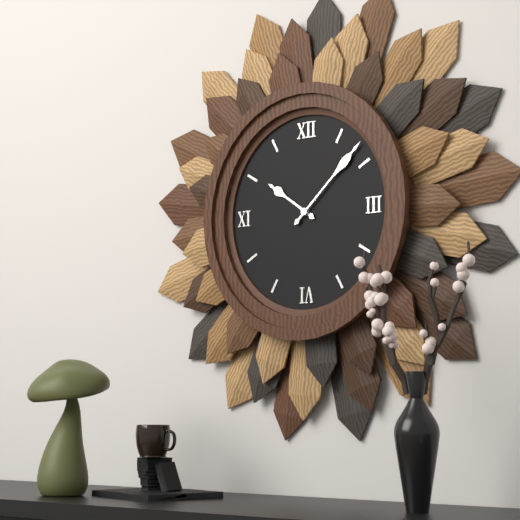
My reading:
h=10 m=8
